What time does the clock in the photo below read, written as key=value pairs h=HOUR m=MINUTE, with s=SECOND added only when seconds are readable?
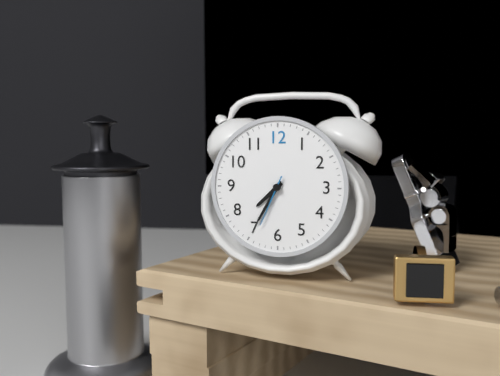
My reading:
h=7 m=35 s=34
